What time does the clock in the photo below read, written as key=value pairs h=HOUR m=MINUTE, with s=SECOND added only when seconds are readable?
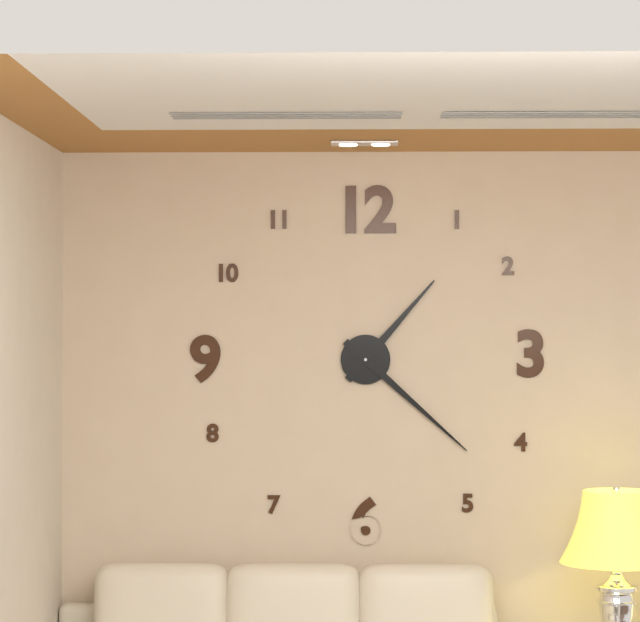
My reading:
h=1 m=22
